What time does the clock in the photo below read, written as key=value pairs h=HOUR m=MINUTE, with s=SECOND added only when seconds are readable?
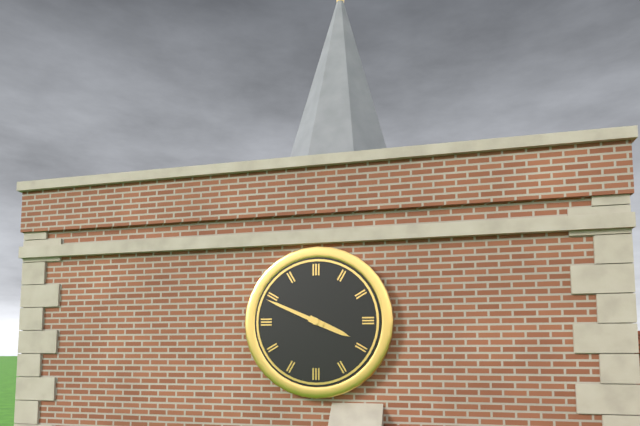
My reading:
h=3 m=49
